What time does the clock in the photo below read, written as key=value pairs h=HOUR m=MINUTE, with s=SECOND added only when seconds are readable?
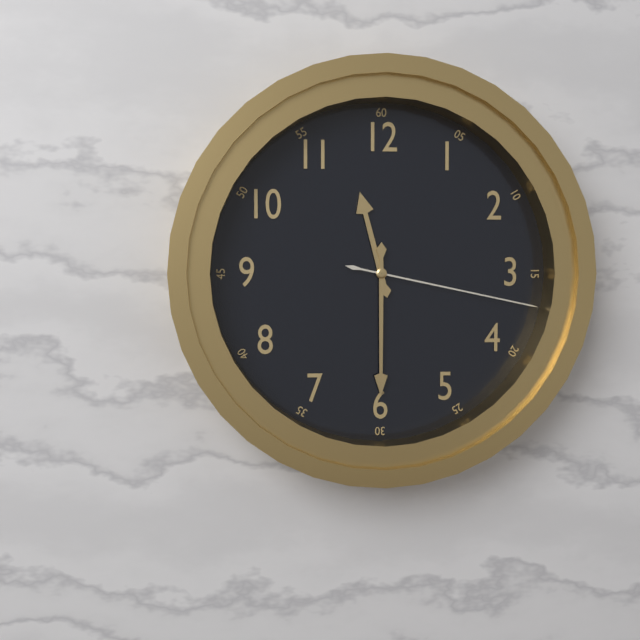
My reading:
h=11 m=30 s=17
